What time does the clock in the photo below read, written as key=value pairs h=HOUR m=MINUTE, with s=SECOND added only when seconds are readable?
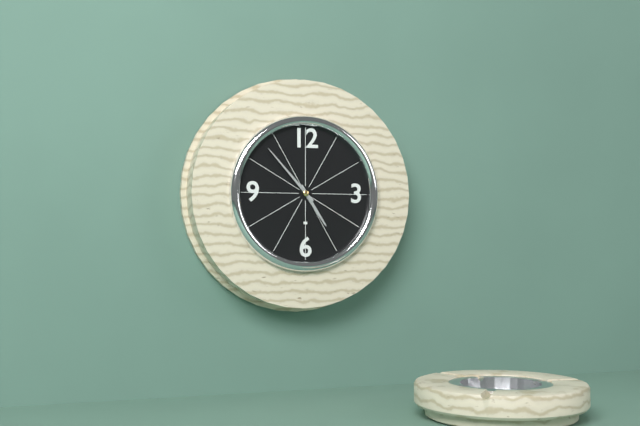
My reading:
h=4 m=53
